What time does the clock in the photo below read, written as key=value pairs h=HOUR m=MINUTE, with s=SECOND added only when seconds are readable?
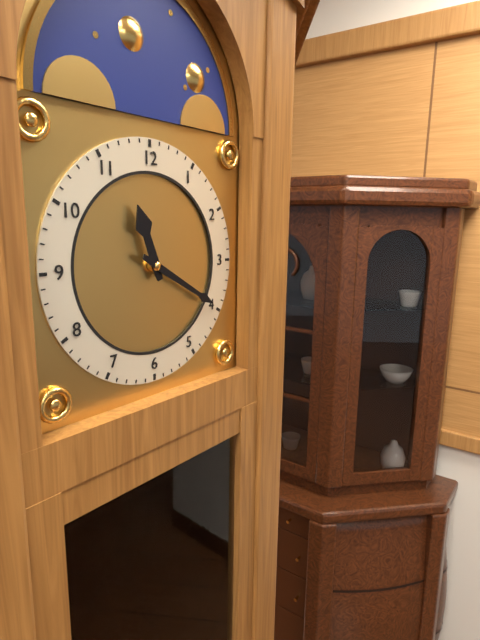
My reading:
h=11 m=20
